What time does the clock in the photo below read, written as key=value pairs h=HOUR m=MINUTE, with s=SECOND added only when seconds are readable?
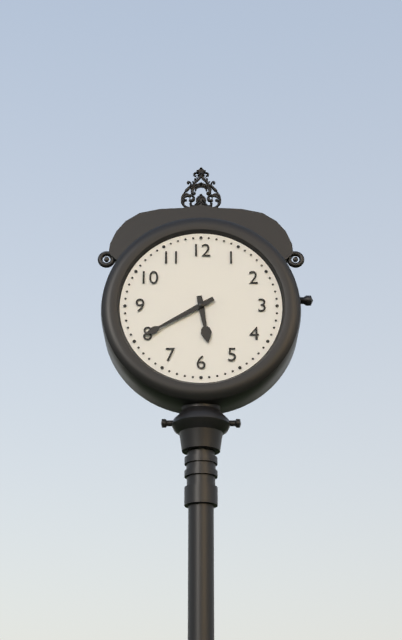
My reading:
h=5 m=40
